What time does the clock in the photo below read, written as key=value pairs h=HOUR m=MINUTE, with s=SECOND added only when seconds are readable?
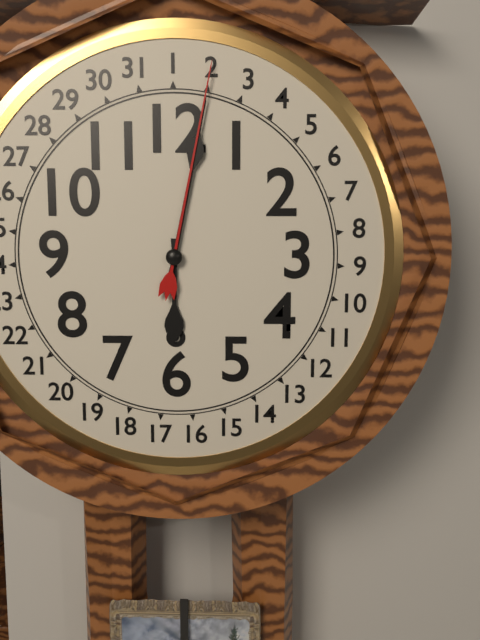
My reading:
h=6 m=2
